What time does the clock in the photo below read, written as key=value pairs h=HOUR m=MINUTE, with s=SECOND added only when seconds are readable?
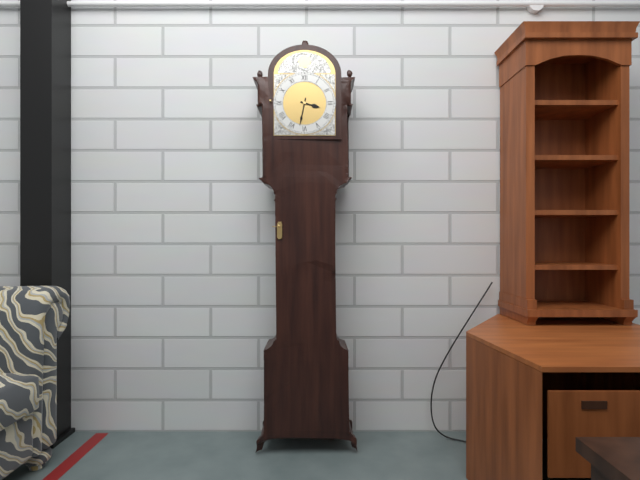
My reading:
h=3 m=32
